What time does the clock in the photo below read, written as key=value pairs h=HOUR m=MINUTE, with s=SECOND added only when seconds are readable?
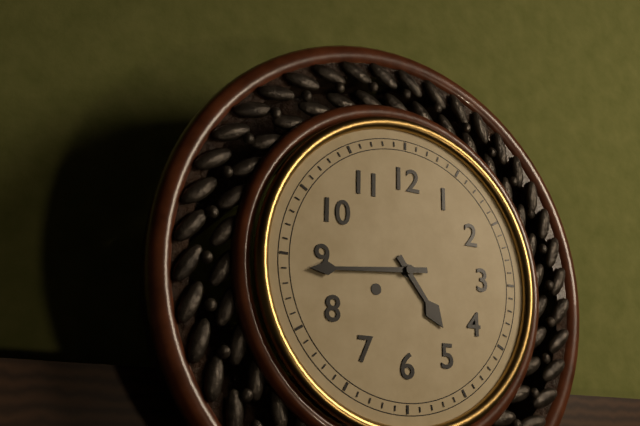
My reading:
h=4 m=44
